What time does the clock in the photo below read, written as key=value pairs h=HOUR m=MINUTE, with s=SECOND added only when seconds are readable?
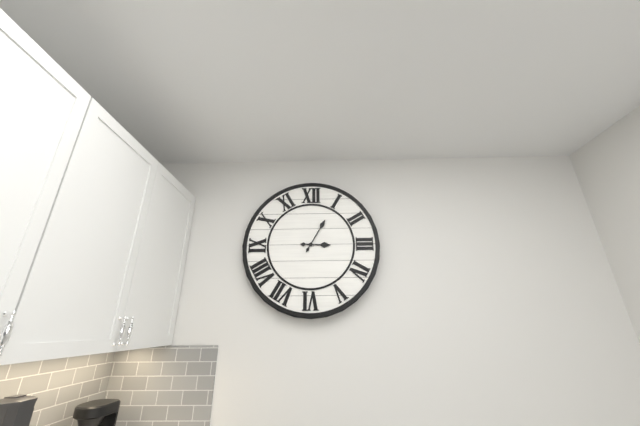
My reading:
h=3 m=5
